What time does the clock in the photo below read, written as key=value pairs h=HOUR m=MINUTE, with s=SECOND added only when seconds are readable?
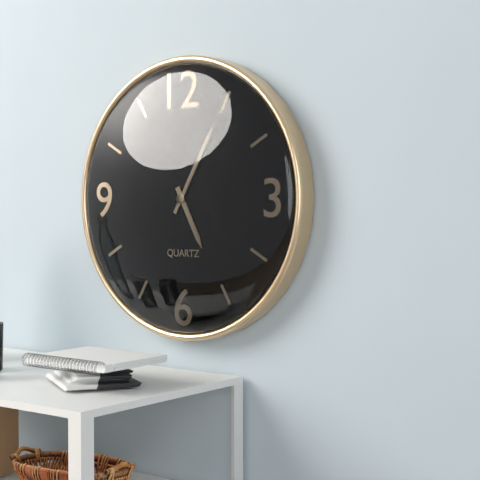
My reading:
h=5 m=5
